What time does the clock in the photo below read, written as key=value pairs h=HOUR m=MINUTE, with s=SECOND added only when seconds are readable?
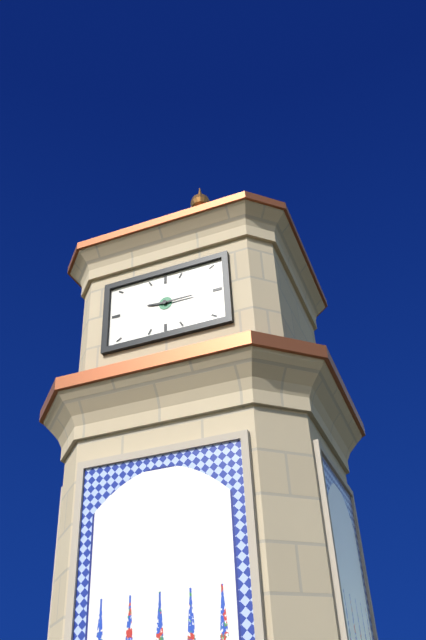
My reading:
h=9 m=15
